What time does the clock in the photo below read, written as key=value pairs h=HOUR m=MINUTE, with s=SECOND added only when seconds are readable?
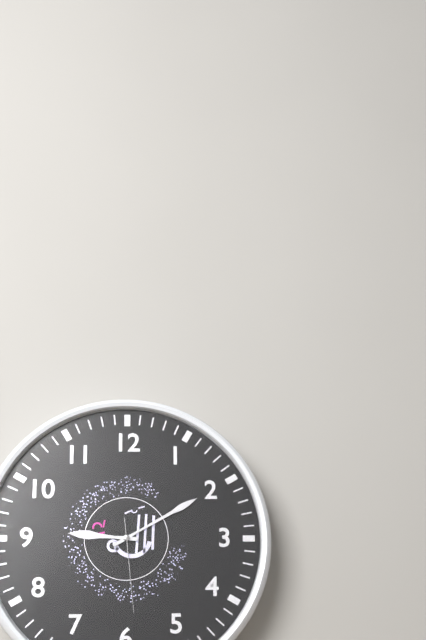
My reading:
h=9 m=10 s=29
